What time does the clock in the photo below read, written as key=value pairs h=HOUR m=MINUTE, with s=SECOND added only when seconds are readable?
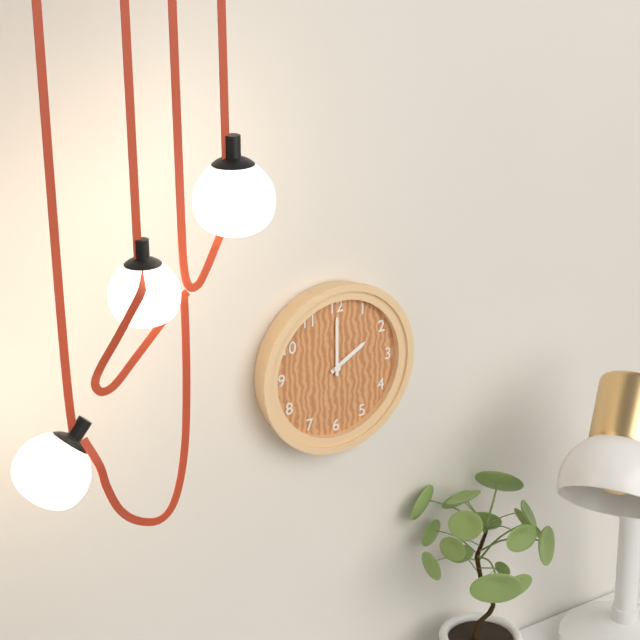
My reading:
h=2 m=0
